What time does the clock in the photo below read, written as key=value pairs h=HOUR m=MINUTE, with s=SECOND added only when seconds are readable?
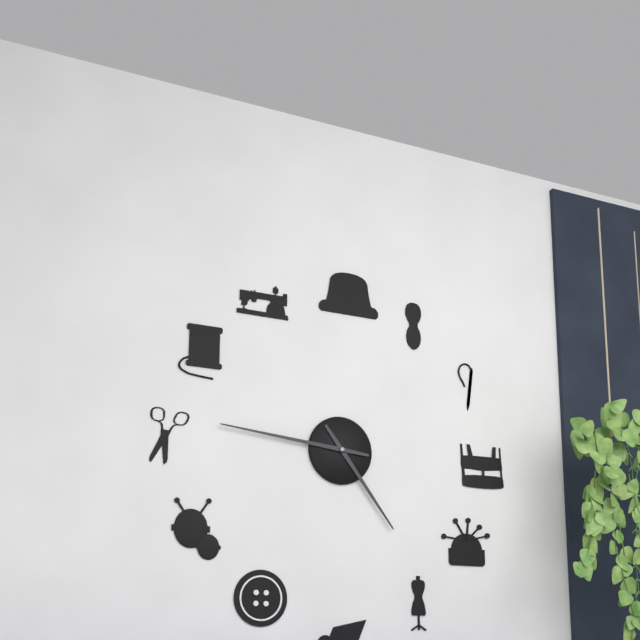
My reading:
h=4 m=46
